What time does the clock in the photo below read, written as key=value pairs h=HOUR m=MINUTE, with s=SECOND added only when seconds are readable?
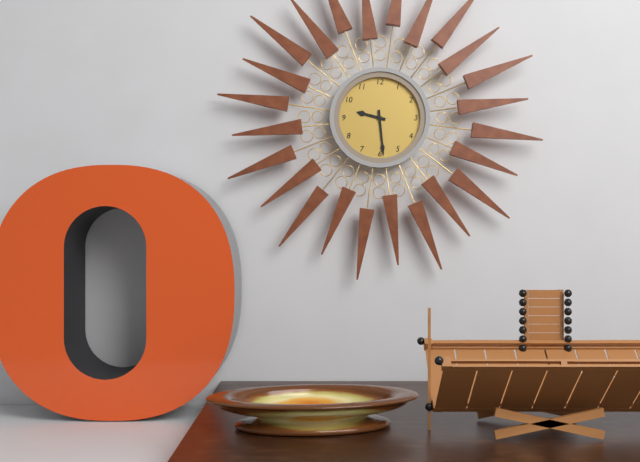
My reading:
h=9 m=29
